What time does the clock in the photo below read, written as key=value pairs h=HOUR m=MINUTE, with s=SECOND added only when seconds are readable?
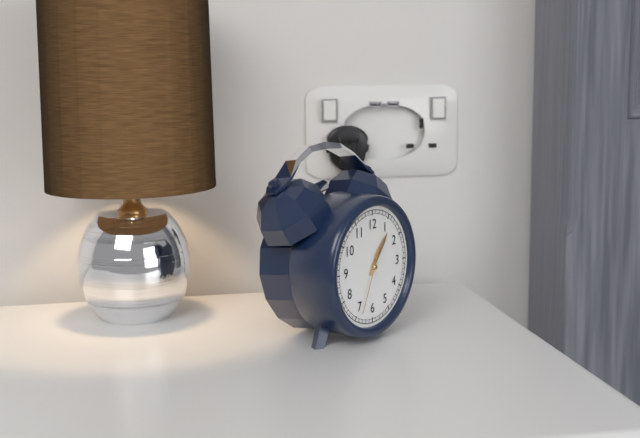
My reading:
h=1 m=6 s=34
